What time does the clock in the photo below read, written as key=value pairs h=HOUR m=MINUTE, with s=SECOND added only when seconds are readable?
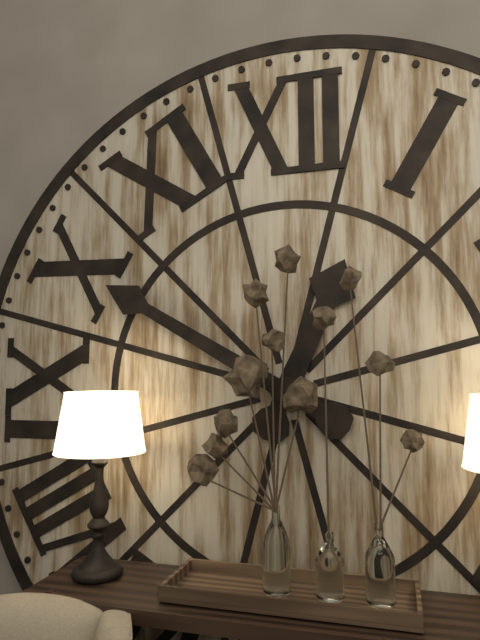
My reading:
h=12 m=50
